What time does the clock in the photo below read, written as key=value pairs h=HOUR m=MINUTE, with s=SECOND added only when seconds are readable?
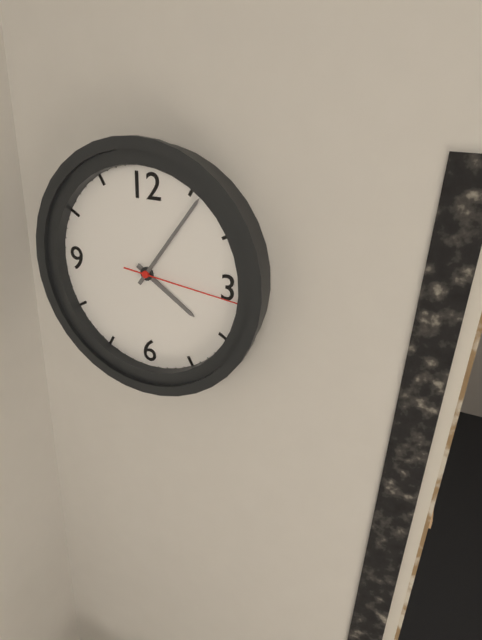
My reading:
h=4 m=6 s=16
